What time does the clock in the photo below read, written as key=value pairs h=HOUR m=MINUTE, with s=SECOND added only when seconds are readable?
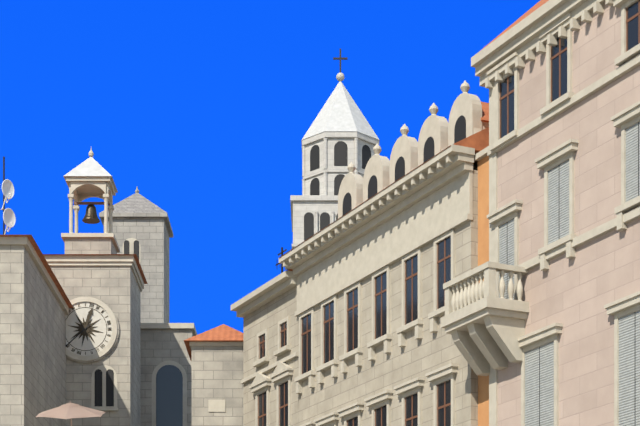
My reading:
h=12 m=38
